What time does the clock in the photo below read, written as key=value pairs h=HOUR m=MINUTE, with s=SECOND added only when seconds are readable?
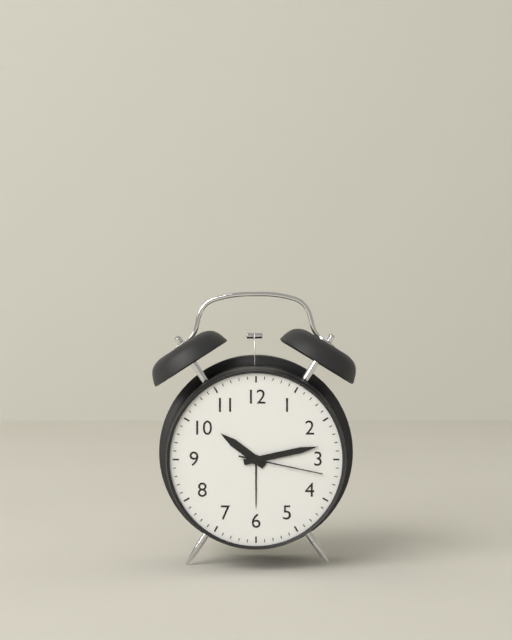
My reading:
h=10 m=13 s=17
